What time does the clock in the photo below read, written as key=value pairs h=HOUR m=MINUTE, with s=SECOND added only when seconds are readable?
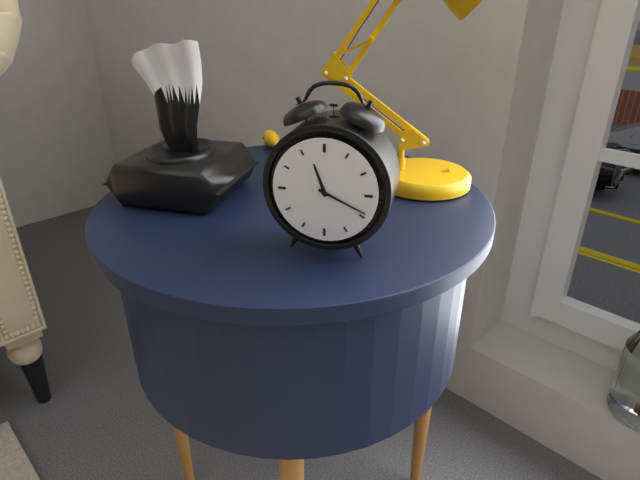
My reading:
h=11 m=19
